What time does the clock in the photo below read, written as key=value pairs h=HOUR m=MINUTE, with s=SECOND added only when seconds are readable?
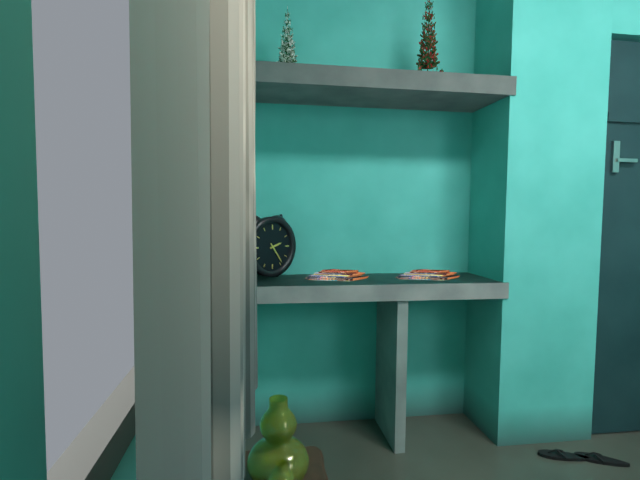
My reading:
h=2 m=24
